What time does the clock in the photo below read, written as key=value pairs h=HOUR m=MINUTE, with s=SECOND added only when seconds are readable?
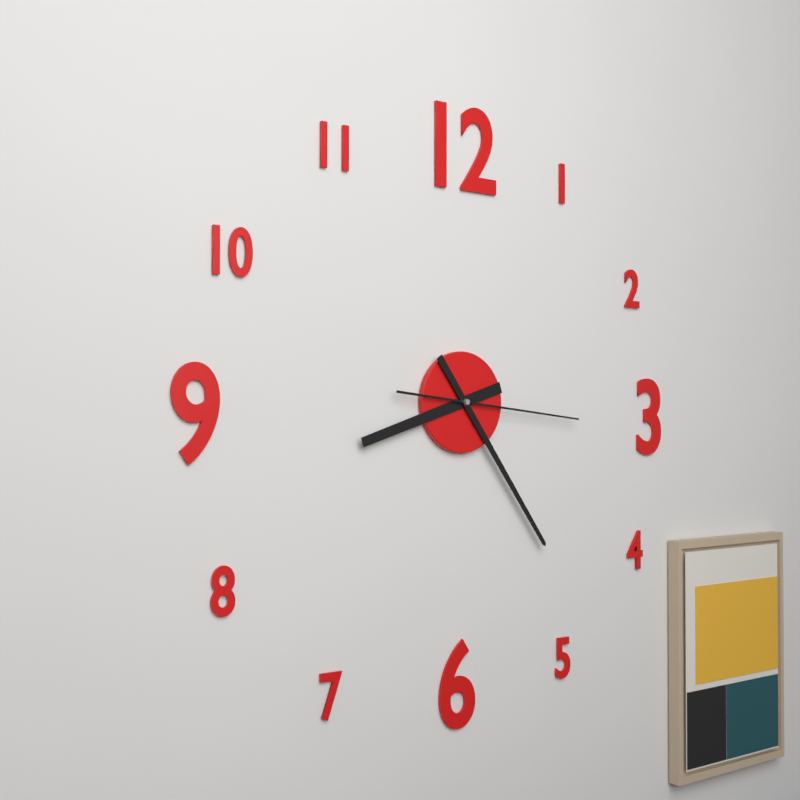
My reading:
h=8 m=24 s=16
